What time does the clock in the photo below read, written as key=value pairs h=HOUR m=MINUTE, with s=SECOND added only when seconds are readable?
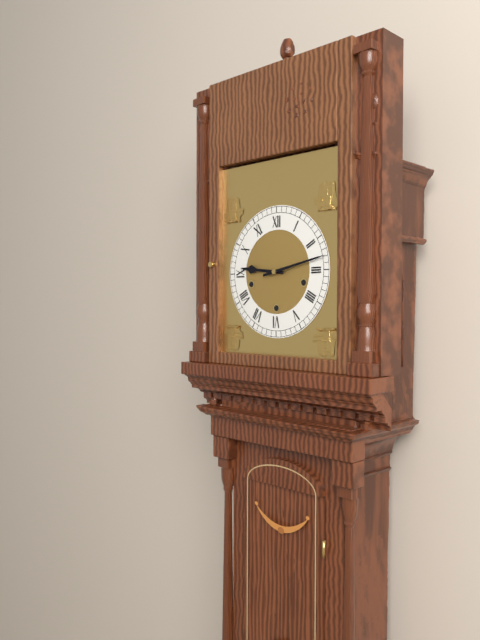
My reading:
h=9 m=13
